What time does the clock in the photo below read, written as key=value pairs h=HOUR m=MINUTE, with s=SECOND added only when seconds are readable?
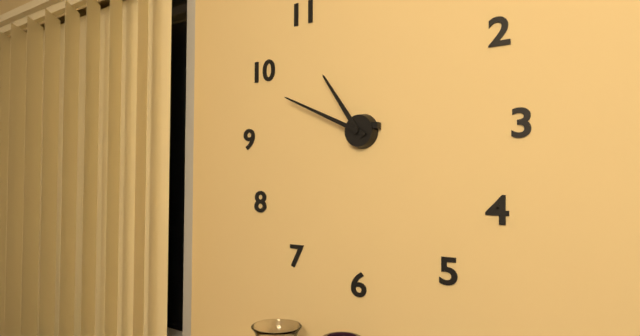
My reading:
h=10 m=49
